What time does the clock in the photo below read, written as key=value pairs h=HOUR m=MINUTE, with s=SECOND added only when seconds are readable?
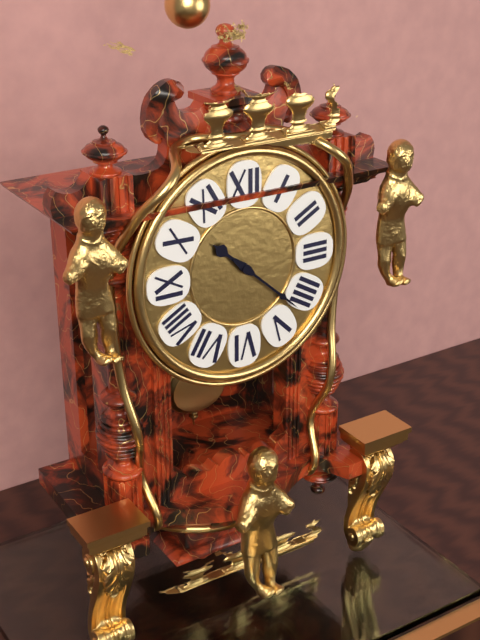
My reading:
h=10 m=22
